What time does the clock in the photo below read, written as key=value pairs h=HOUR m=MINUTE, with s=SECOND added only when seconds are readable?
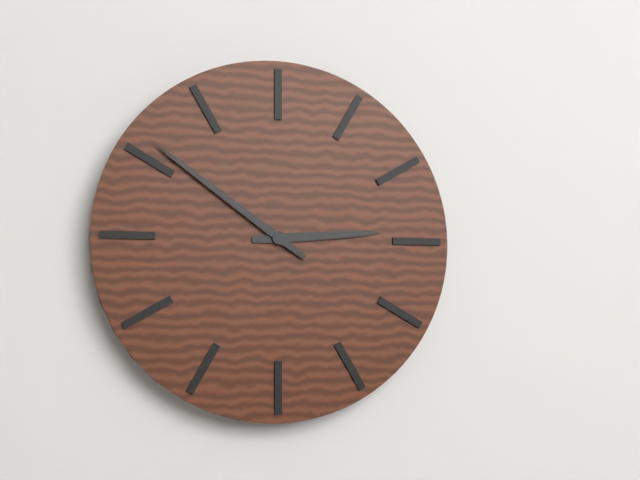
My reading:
h=2 m=51
